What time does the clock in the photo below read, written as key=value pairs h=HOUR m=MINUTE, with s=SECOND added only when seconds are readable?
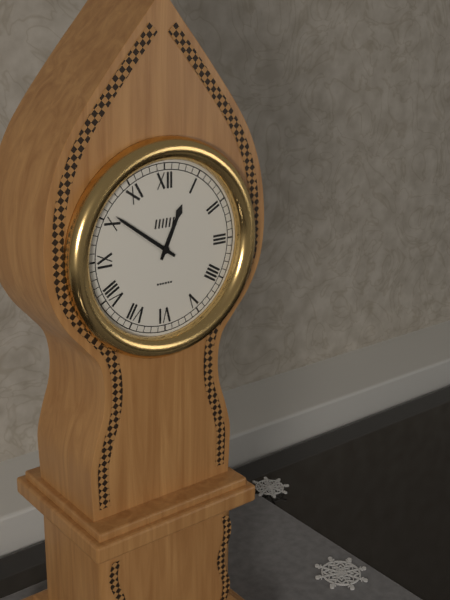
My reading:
h=12 m=51
